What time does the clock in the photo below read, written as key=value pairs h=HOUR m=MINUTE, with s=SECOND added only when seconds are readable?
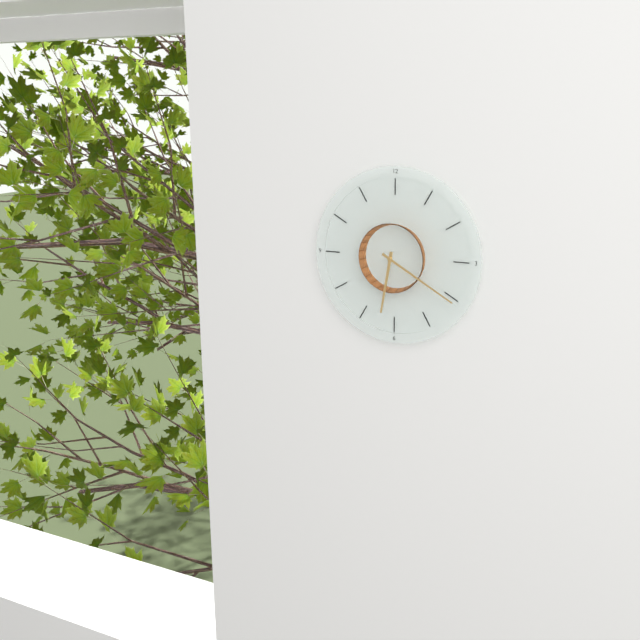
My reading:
h=6 m=20
